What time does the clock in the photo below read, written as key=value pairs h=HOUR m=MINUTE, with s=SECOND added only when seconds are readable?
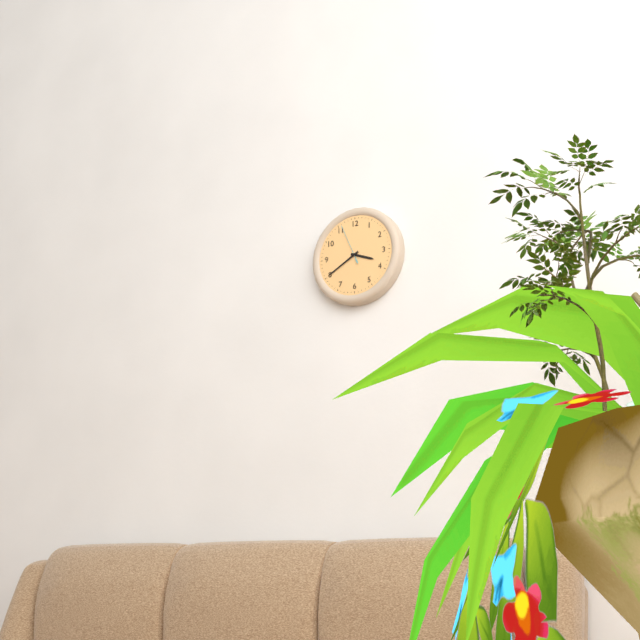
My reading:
h=3 m=40
